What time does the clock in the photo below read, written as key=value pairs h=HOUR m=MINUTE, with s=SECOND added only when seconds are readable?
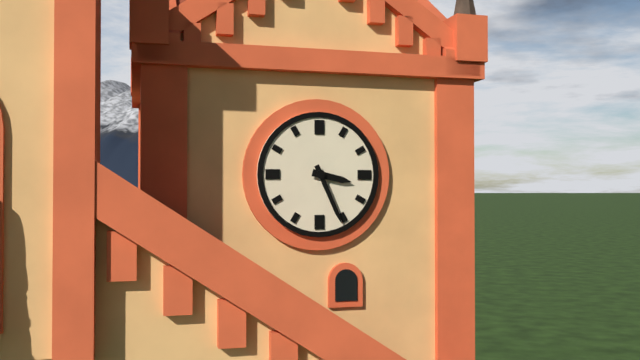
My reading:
h=3 m=26
